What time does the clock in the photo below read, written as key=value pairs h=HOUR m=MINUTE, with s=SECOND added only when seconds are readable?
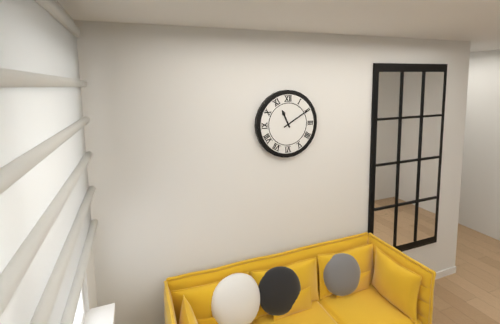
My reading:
h=11 m=10
